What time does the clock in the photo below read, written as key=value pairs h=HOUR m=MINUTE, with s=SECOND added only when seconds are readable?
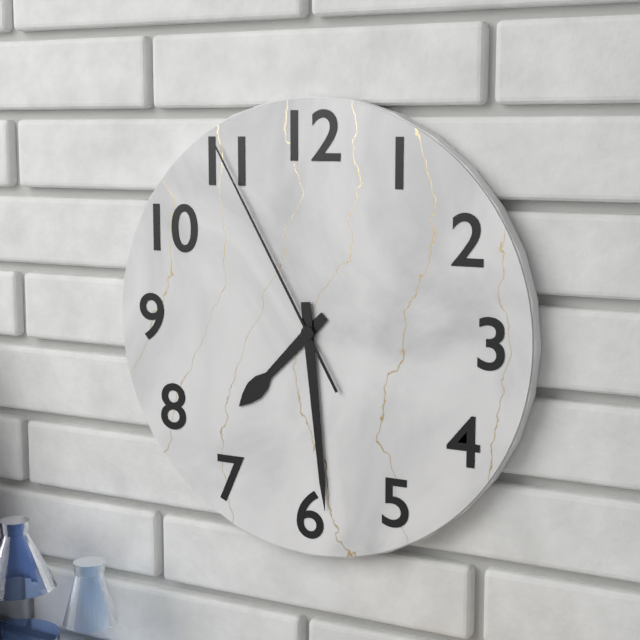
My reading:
h=7 m=29 s=55
